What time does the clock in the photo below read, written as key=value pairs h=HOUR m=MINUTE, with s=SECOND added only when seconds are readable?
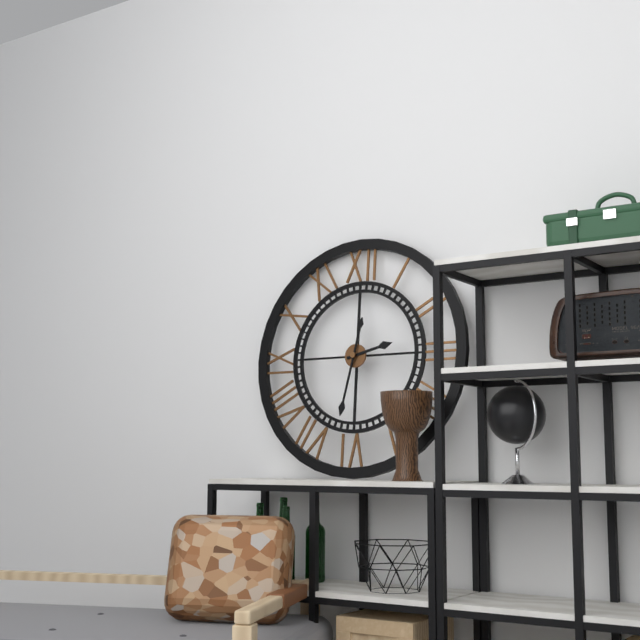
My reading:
h=2 m=32
